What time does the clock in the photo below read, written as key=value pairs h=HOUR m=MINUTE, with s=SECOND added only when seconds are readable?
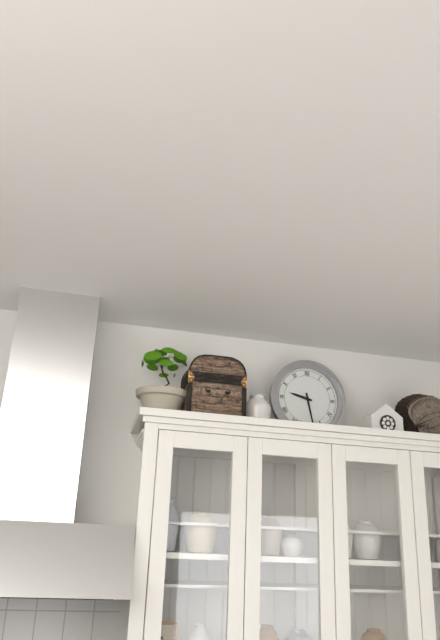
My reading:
h=9 m=28
